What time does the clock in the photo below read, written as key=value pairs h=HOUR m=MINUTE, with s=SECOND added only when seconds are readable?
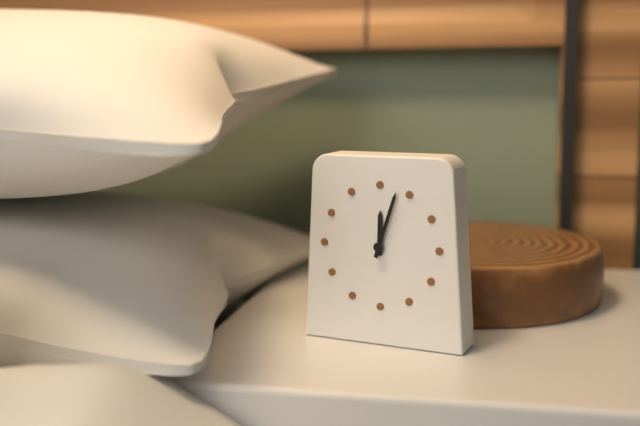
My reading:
h=12 m=3
